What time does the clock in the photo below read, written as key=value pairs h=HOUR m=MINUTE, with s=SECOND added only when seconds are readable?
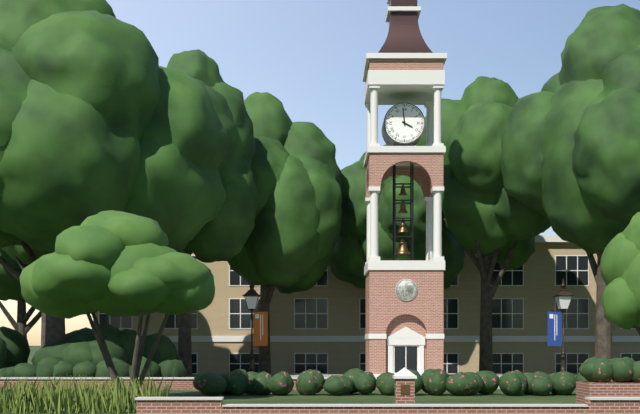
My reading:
h=3 m=59
